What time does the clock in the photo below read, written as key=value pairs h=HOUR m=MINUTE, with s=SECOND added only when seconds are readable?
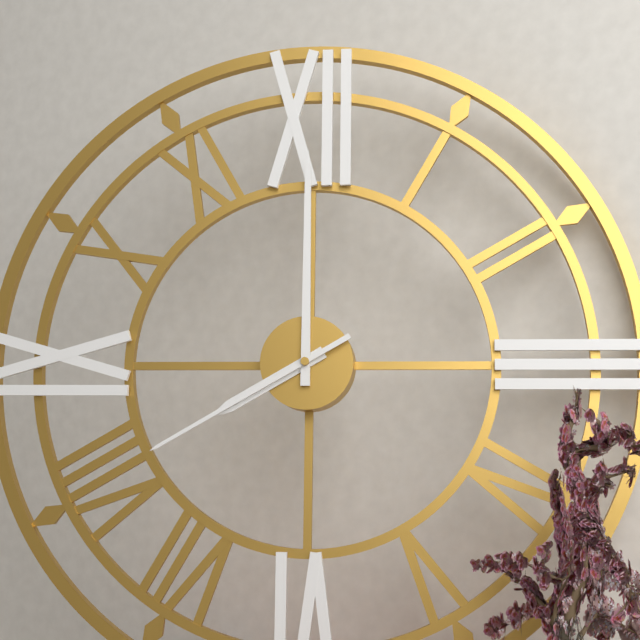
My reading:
h=8 m=0 s=40
